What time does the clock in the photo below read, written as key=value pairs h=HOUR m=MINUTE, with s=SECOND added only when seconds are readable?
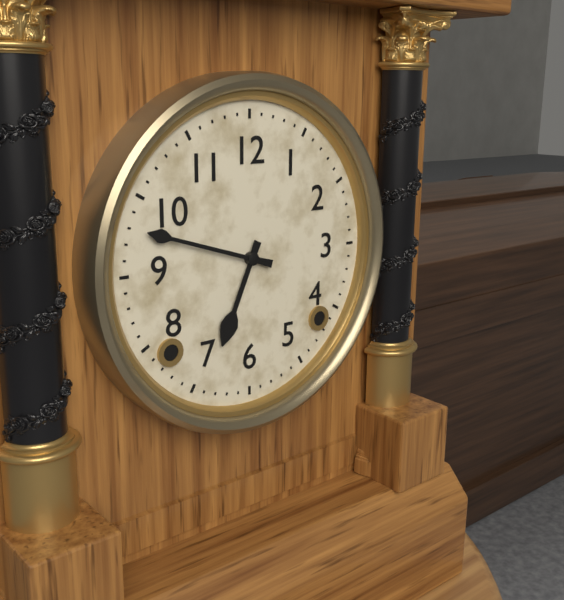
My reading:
h=6 m=48
